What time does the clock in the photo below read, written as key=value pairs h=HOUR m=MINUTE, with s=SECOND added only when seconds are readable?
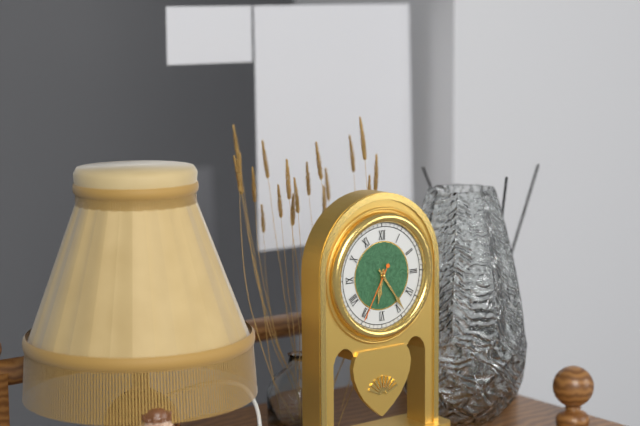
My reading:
h=6 m=24 s=35
